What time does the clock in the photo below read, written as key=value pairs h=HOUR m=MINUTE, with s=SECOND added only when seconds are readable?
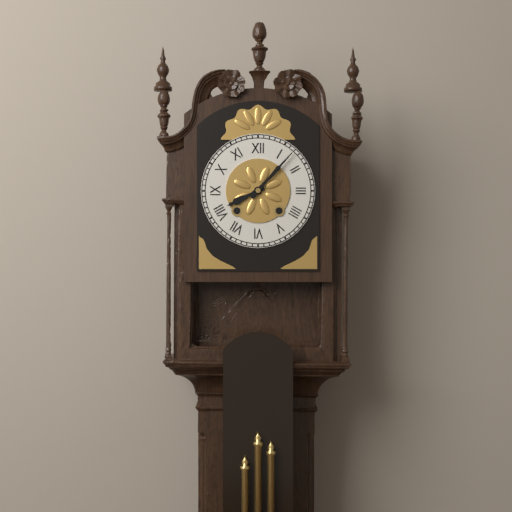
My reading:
h=8 m=7
